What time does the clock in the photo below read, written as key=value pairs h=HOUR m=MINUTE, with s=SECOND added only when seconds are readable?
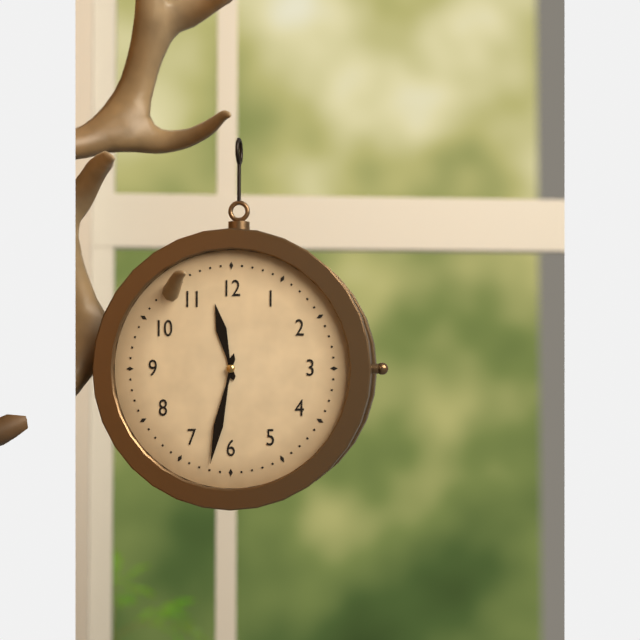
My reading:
h=11 m=32
